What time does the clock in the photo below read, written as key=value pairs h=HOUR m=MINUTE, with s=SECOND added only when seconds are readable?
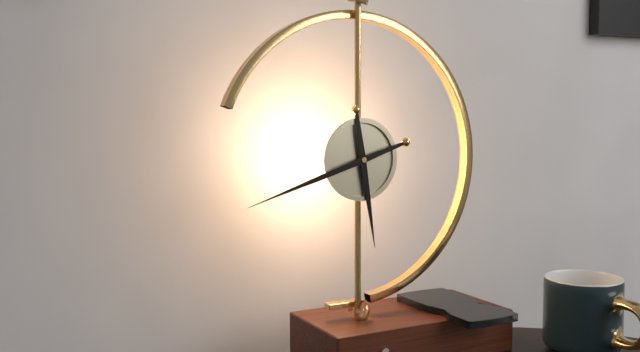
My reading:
h=5 m=42
